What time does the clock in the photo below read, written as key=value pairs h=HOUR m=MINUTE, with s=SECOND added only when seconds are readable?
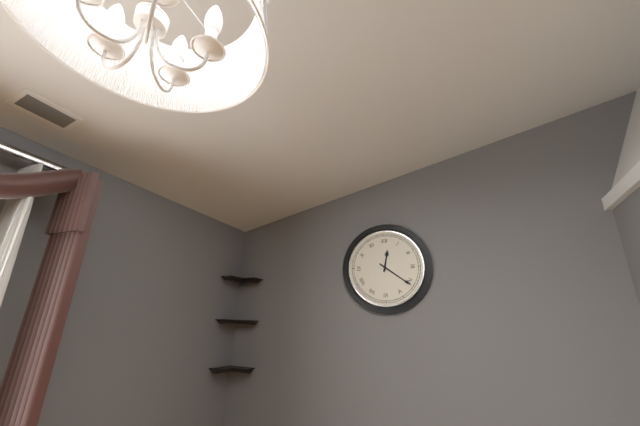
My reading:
h=12 m=21
